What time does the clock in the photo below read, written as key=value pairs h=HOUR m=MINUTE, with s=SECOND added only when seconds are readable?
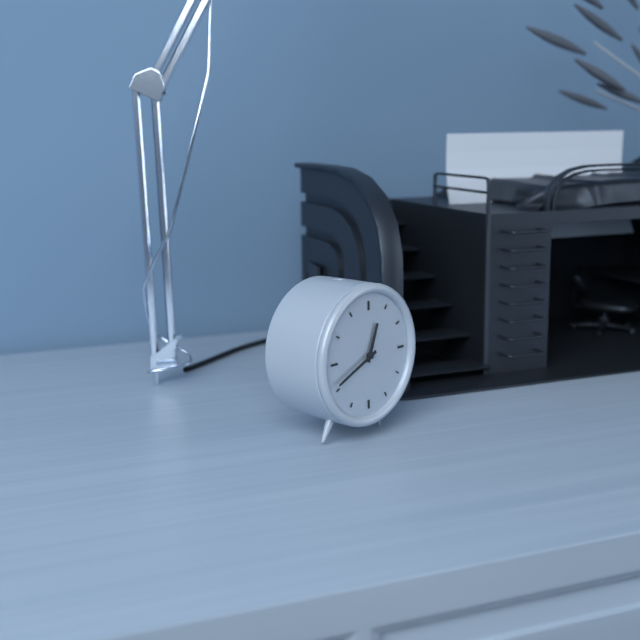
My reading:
h=12 m=41
